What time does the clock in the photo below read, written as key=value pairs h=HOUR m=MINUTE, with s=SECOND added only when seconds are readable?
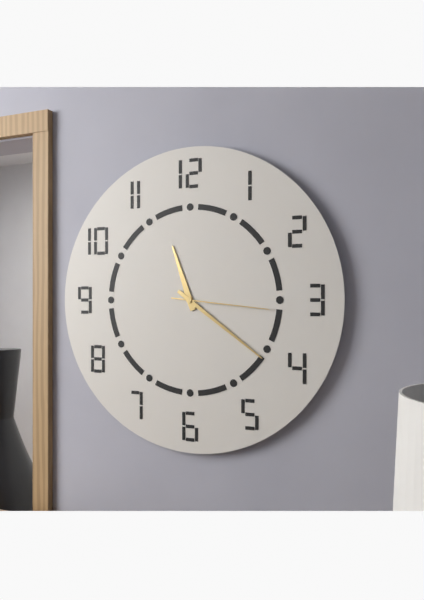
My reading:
h=11 m=21 s=16
